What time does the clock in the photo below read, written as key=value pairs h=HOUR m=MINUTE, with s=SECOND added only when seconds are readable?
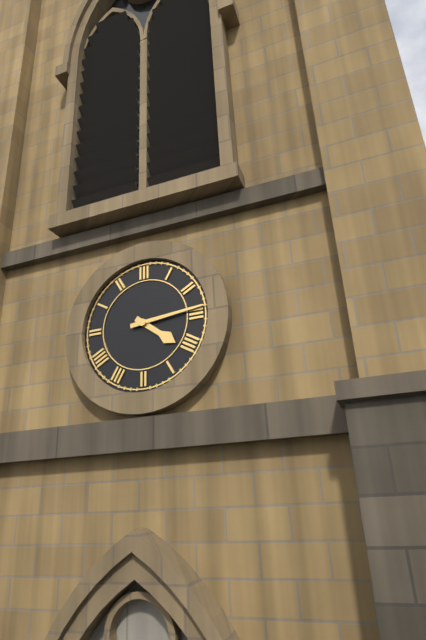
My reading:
h=4 m=14
